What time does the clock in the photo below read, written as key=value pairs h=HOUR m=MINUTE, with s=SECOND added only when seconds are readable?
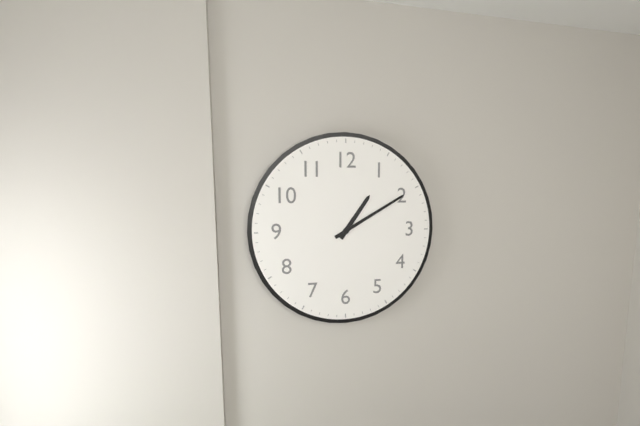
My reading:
h=1 m=10
